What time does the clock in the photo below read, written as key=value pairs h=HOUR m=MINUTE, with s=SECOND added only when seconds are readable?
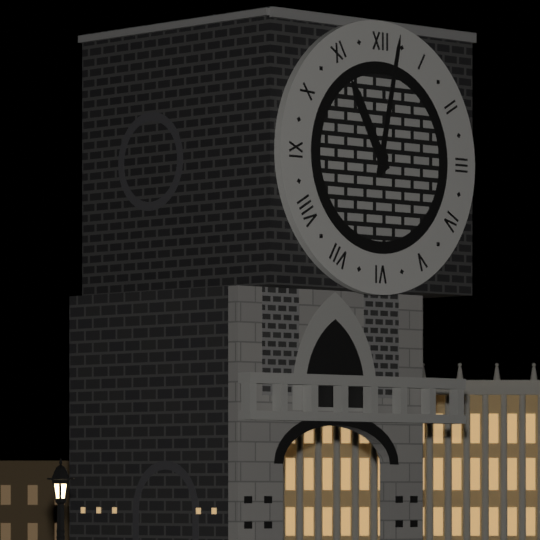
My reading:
h=11 m=2
